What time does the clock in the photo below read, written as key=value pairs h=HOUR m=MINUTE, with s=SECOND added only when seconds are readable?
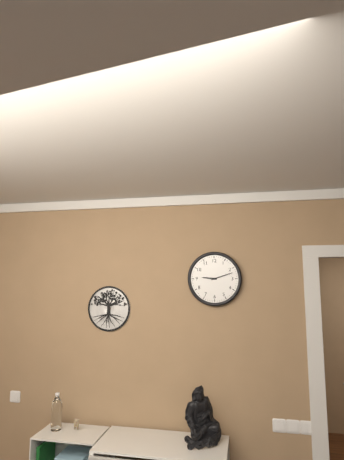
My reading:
h=9 m=12
